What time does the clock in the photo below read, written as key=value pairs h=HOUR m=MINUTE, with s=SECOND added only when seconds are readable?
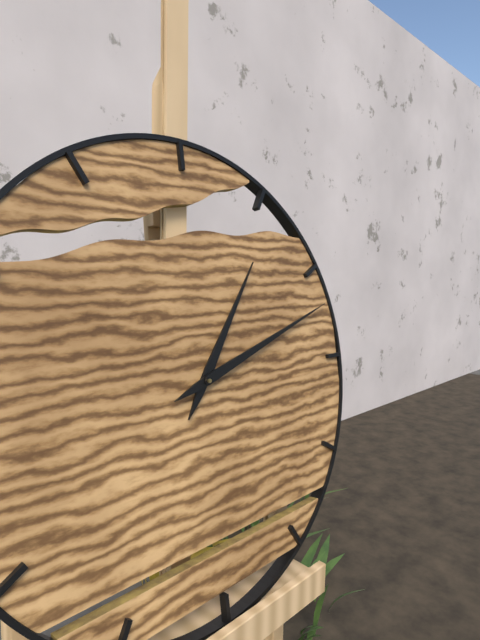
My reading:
h=1 m=12
